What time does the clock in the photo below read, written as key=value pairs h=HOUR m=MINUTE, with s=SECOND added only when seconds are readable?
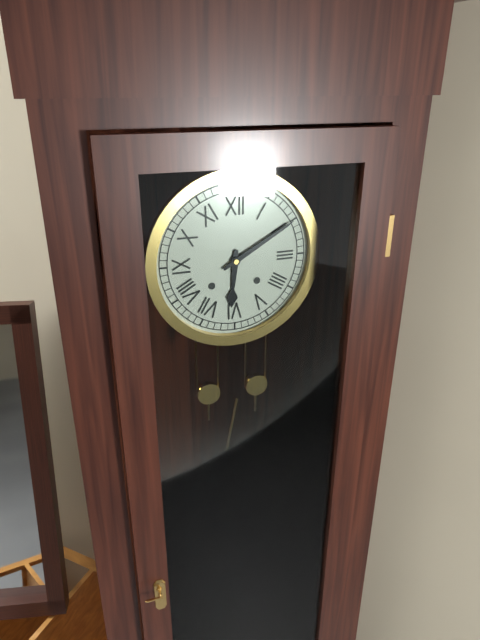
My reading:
h=6 m=10
